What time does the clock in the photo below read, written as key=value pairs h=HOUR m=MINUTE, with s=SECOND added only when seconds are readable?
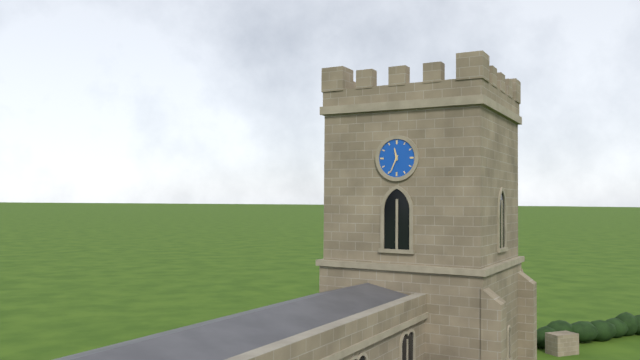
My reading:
h=11 m=34
